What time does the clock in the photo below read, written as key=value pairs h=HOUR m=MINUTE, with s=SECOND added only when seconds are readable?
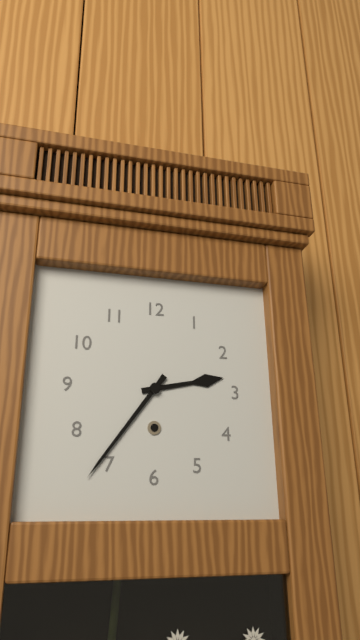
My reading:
h=2 m=36
